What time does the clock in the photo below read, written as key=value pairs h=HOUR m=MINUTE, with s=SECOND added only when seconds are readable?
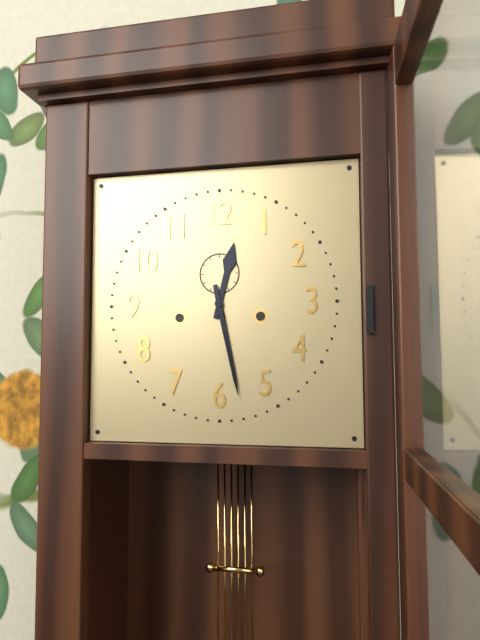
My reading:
h=12 m=28
